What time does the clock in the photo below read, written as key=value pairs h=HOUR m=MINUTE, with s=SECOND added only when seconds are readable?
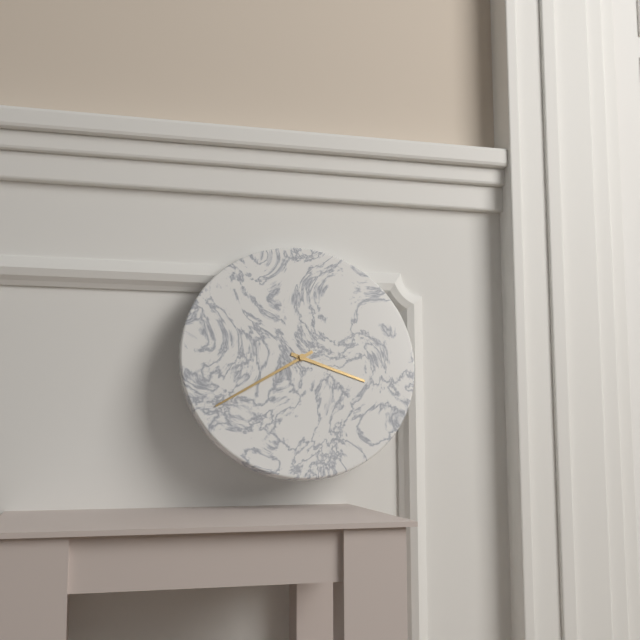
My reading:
h=3 m=40
